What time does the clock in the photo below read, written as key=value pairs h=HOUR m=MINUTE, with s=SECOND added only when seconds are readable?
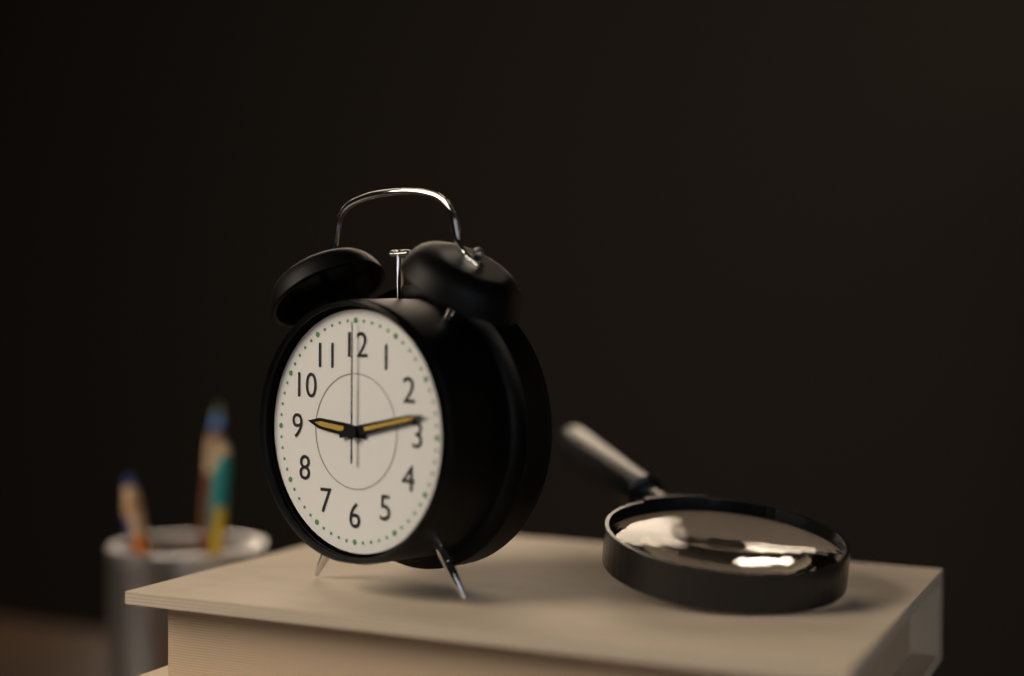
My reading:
h=9 m=13 s=0
